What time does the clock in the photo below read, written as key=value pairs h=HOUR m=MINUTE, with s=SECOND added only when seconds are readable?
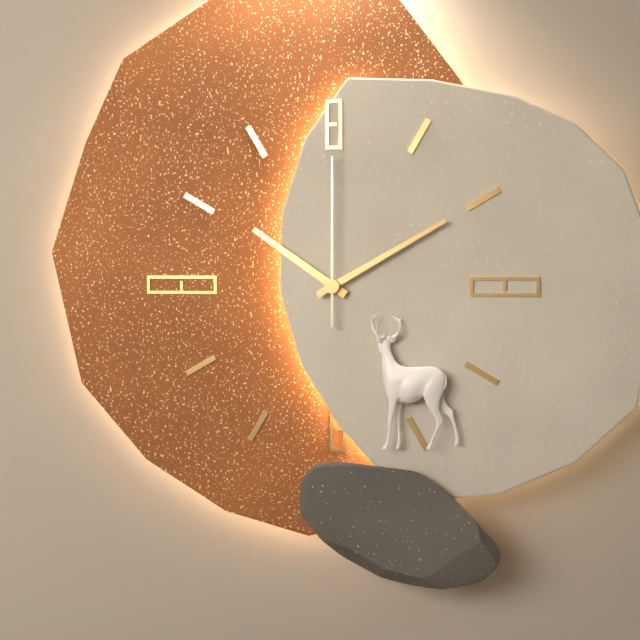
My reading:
h=10 m=10 s=0
